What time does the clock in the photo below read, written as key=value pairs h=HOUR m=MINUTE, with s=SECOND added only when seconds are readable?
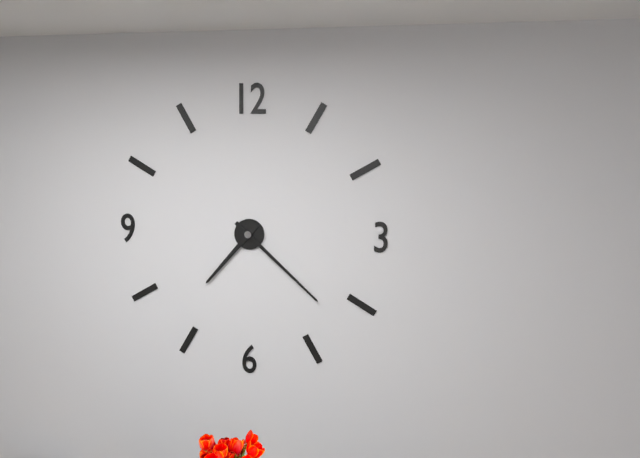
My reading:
h=7 m=22
